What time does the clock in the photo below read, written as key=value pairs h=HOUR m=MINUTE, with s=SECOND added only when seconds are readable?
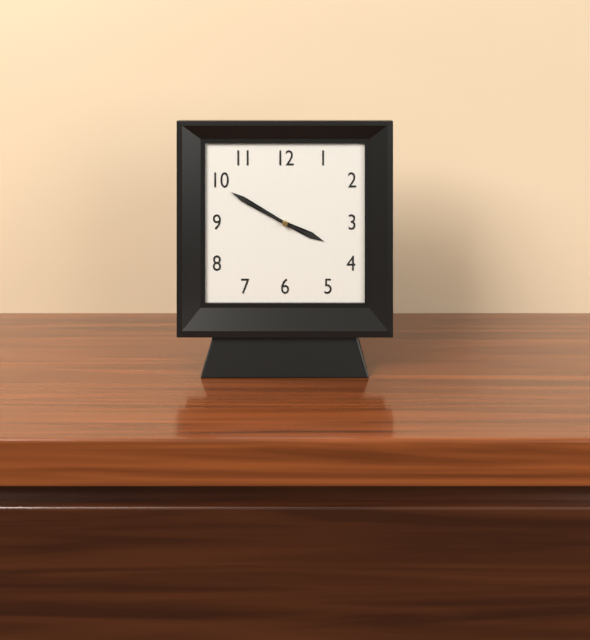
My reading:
h=3 m=50
